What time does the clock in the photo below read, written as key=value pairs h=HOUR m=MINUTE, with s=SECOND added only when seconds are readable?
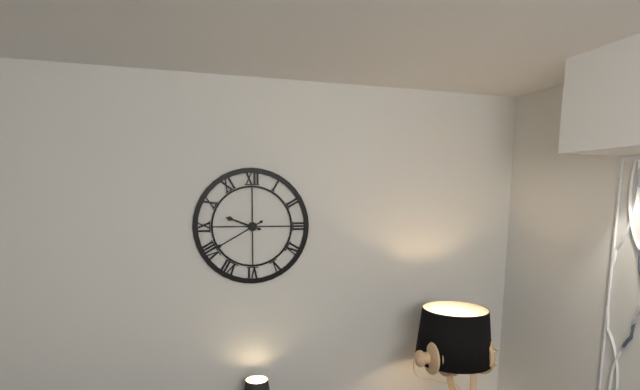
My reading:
h=9 m=40
